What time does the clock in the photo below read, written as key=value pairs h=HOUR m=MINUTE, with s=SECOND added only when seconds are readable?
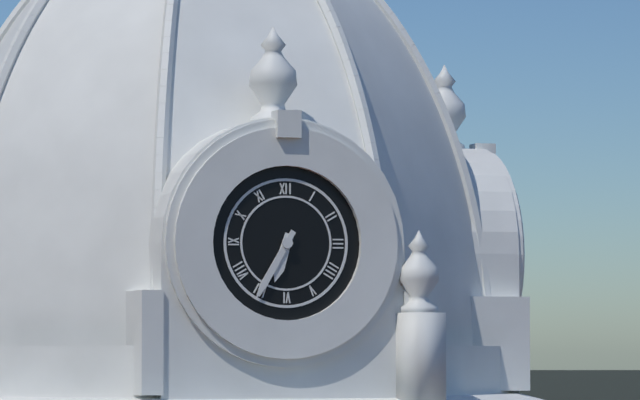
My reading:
h=6 m=35
